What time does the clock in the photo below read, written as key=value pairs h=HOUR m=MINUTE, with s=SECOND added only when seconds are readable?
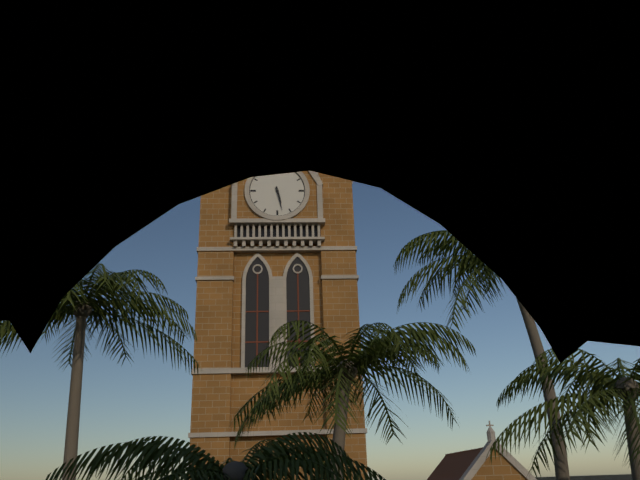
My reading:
h=5 m=28
